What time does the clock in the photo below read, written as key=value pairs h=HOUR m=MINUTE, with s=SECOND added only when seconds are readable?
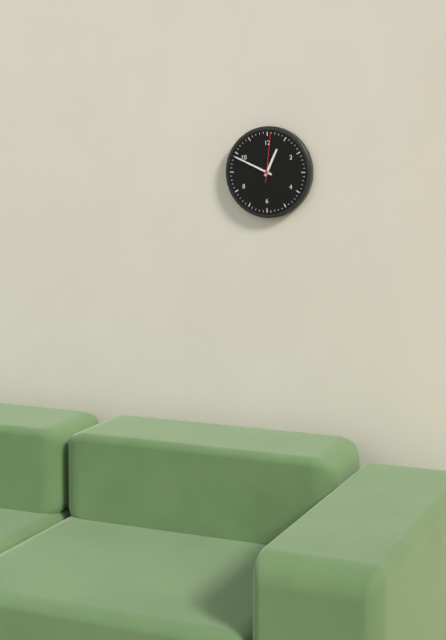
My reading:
h=12 m=49
